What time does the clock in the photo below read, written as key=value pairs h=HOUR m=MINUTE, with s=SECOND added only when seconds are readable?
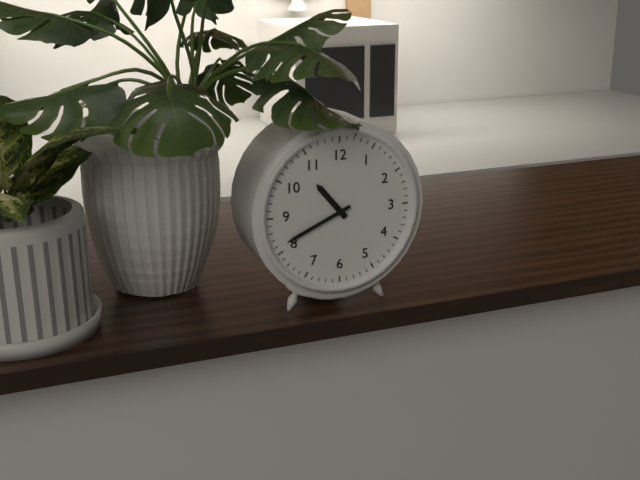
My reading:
h=10 m=41
